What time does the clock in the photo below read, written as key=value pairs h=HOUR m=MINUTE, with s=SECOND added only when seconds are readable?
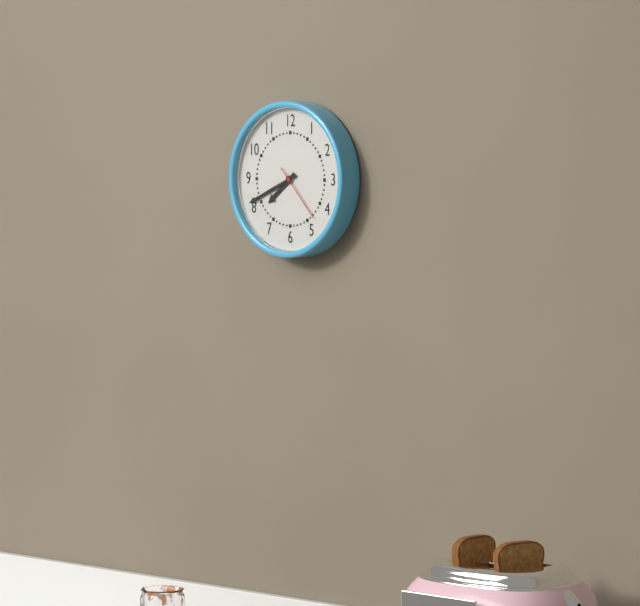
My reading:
h=7 m=41 s=23
